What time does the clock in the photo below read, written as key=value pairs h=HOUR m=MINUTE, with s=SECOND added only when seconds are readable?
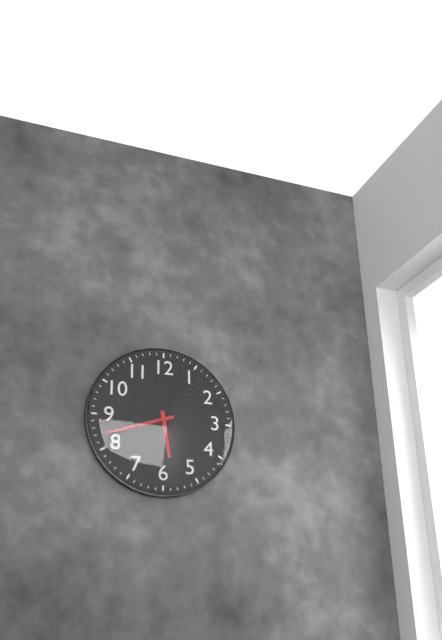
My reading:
h=5 m=42
